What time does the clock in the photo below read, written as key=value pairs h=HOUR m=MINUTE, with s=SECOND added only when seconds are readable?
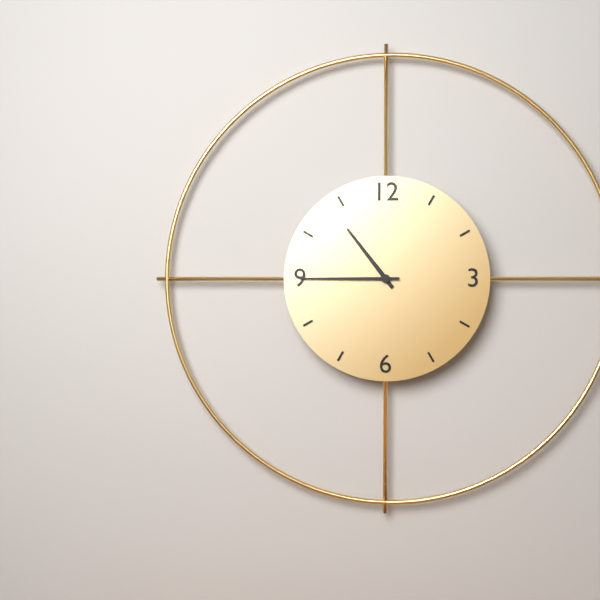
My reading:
h=10 m=45
